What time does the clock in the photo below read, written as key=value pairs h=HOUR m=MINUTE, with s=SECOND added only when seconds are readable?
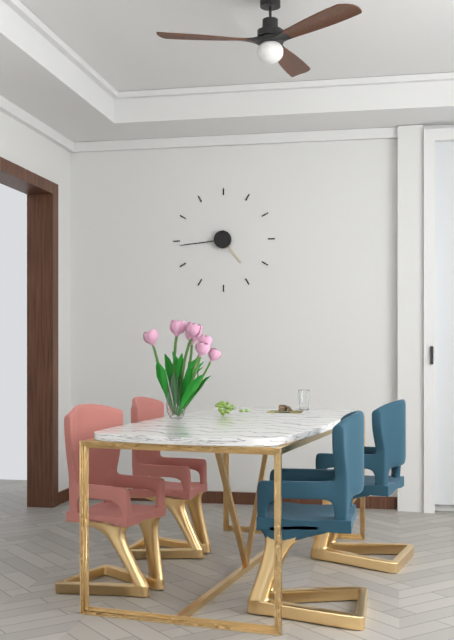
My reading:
h=4 m=44
